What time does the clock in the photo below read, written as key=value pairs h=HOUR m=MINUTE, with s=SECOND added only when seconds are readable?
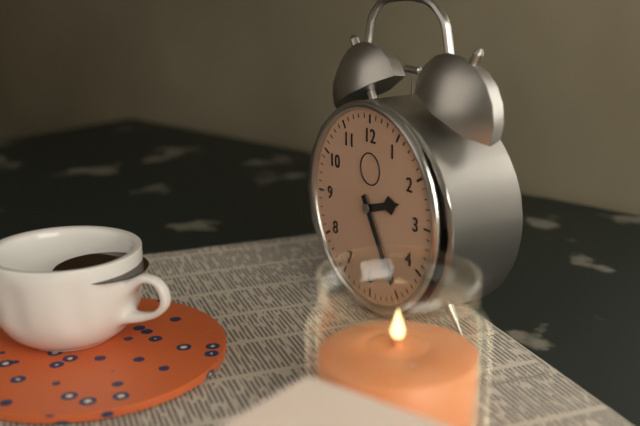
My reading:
h=2 m=25
